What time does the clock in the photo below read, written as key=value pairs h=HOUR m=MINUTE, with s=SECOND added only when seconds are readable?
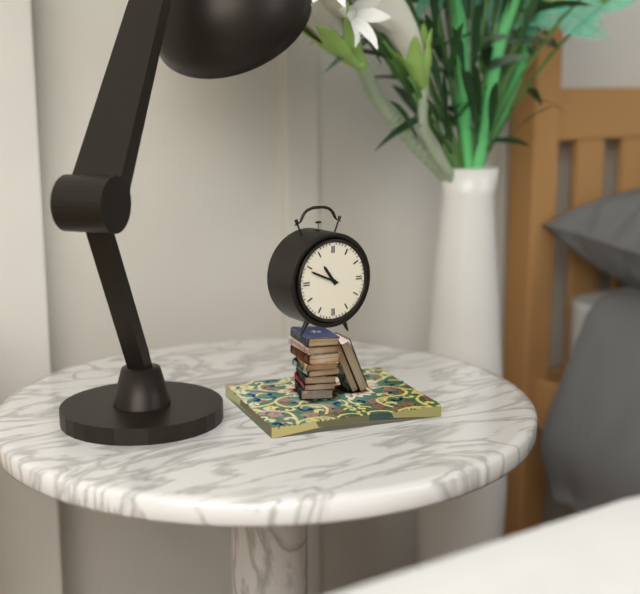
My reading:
h=10 m=49
